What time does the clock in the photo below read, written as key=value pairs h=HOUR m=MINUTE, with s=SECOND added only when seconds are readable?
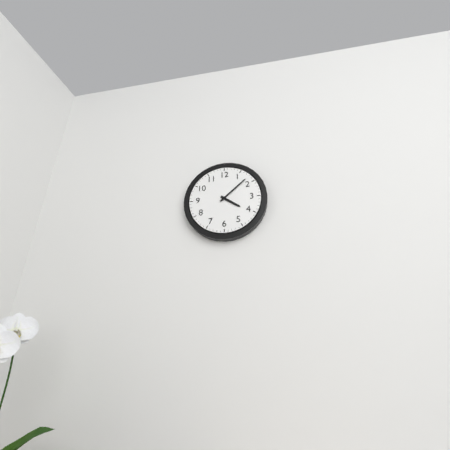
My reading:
h=4 m=8
